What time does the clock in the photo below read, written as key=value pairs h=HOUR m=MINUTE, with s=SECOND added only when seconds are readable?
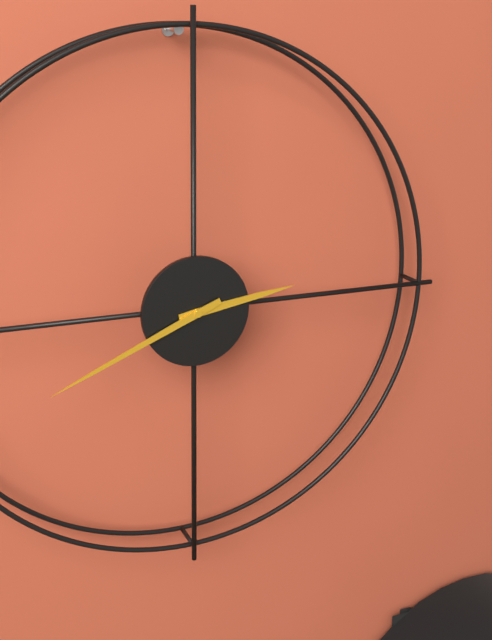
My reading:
h=2 m=41
